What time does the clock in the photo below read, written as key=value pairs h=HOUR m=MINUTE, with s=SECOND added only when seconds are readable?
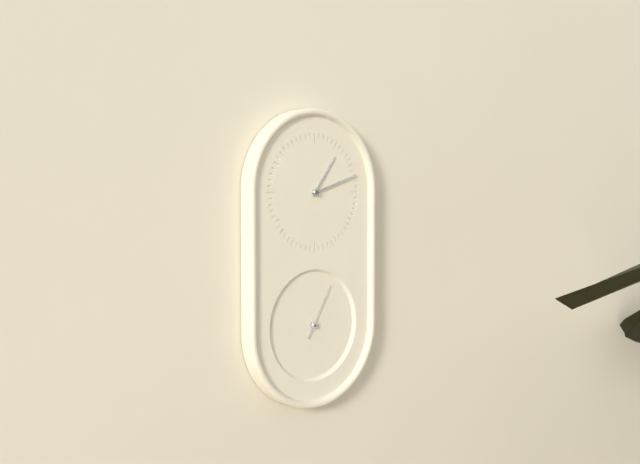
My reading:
h=1 m=12 s=5
